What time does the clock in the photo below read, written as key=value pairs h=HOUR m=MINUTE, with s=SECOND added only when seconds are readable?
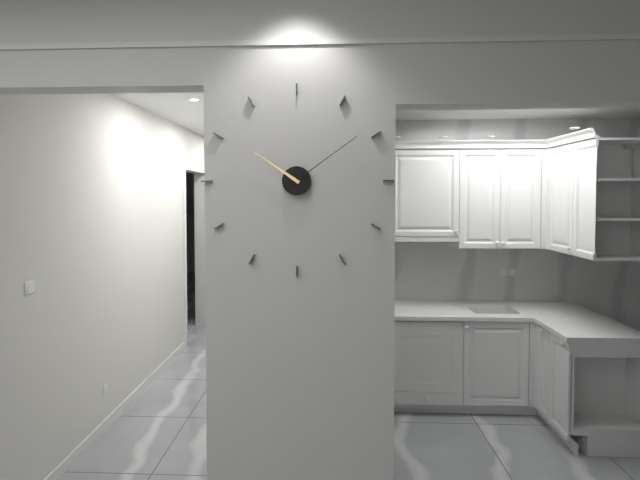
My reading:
h=10 m=9
